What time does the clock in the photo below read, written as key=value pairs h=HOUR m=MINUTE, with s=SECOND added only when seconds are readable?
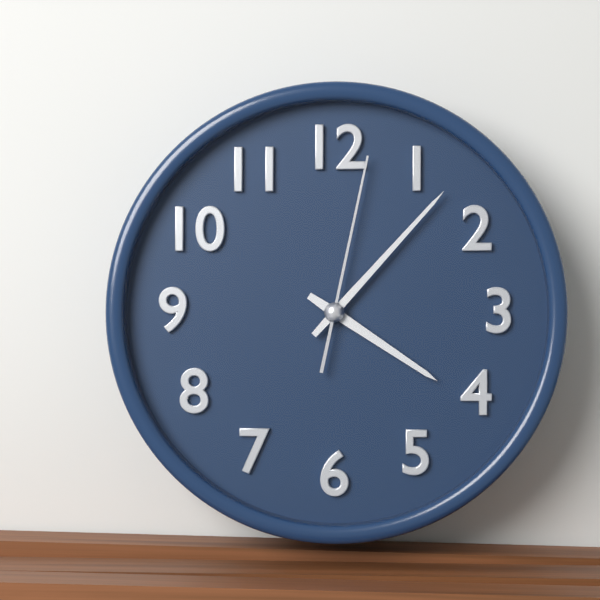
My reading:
h=4 m=7 s=2
